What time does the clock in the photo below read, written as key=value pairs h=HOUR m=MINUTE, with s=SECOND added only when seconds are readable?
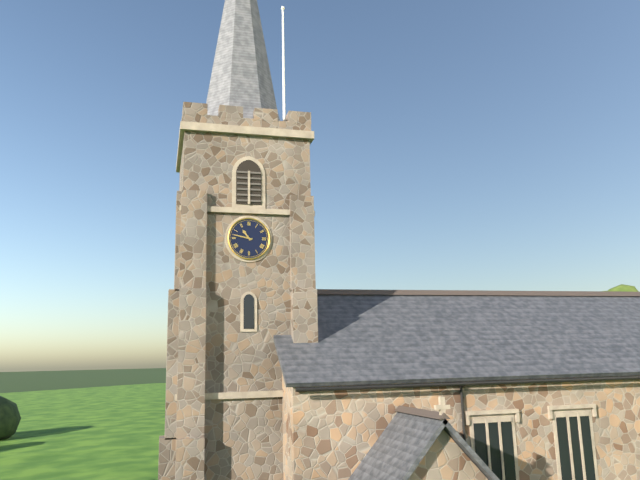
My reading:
h=10 m=47
